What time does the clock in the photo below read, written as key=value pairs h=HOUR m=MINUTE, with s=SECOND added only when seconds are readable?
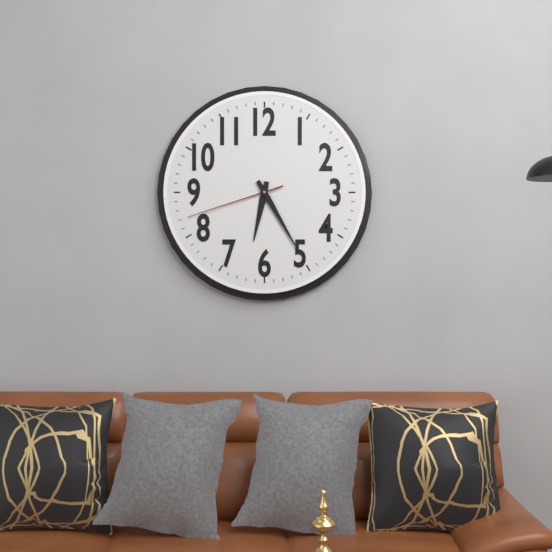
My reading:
h=6 m=25 s=42
